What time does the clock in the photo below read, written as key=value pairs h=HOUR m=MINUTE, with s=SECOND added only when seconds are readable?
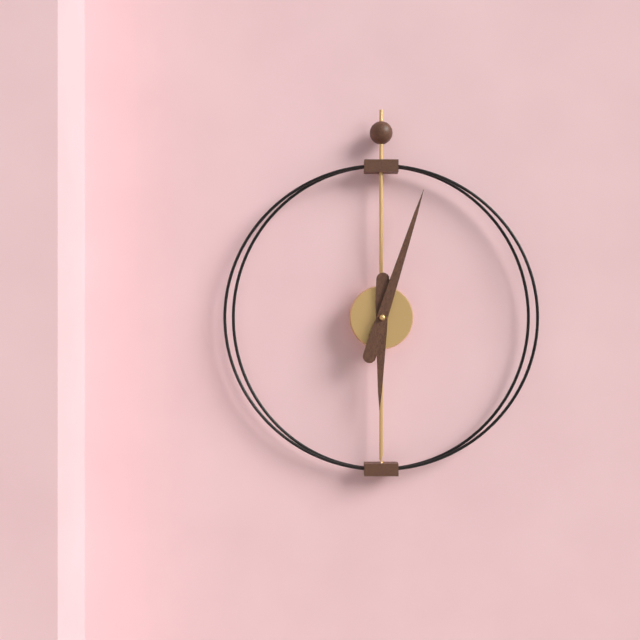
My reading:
h=6 m=3
